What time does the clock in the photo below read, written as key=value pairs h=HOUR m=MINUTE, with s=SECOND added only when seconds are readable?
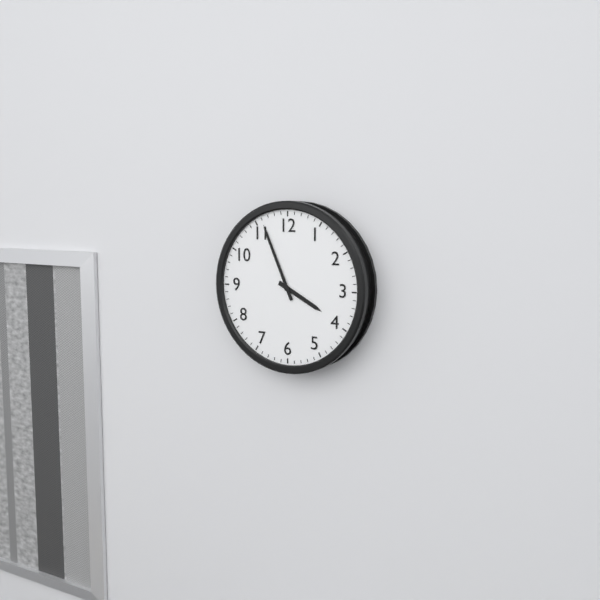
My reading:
h=3 m=56
